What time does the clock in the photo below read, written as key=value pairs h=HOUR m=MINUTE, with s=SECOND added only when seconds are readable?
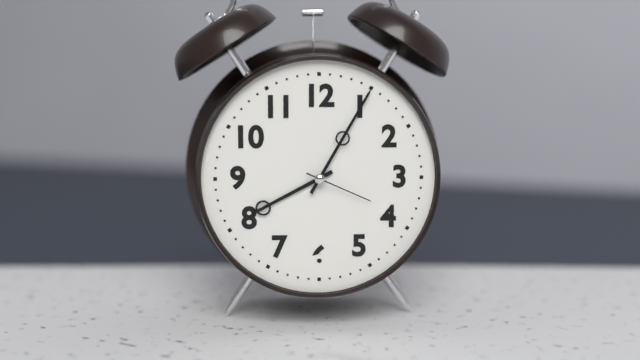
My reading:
h=8 m=5 s=19
